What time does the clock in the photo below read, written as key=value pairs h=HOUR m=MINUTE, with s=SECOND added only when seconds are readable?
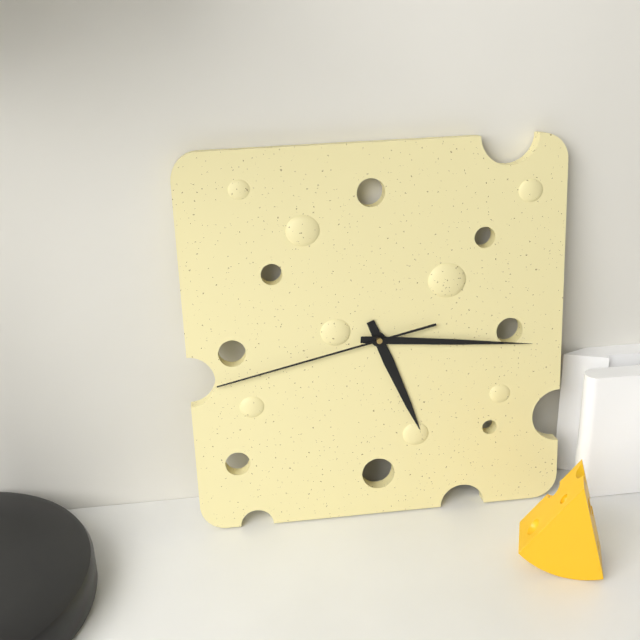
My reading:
h=5 m=16 s=43
